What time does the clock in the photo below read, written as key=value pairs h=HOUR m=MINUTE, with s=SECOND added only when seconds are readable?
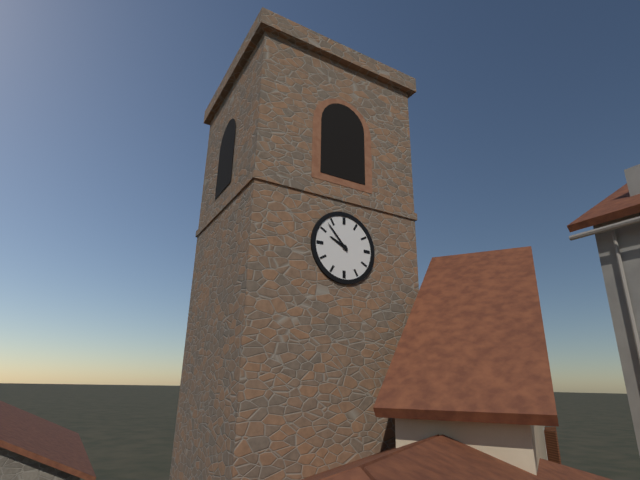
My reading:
h=9 m=53
